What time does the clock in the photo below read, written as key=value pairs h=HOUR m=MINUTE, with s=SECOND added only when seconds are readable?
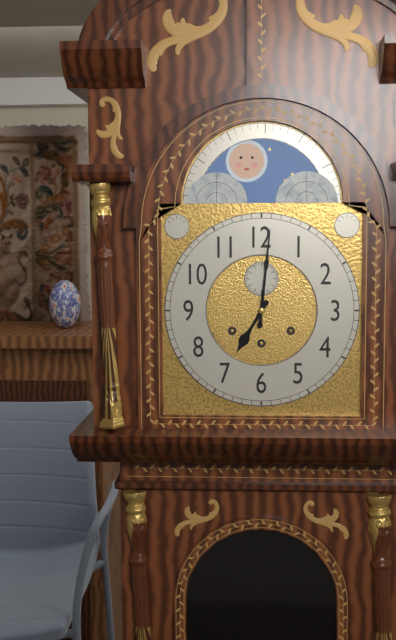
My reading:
h=7 m=1
